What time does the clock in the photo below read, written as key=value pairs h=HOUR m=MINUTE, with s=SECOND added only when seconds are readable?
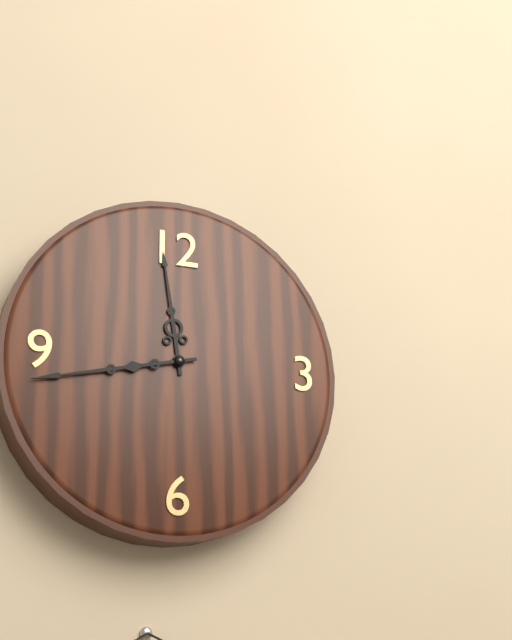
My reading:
h=11 m=43
